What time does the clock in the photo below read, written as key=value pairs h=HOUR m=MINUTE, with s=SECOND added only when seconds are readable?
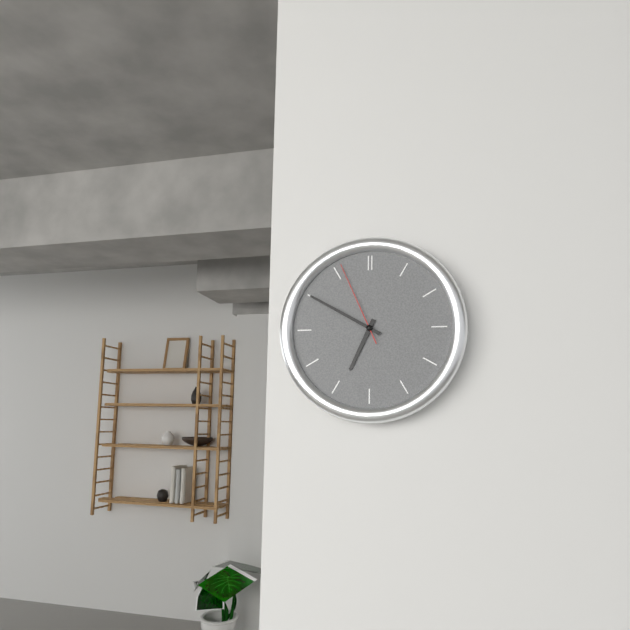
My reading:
h=6 m=50 s=56
